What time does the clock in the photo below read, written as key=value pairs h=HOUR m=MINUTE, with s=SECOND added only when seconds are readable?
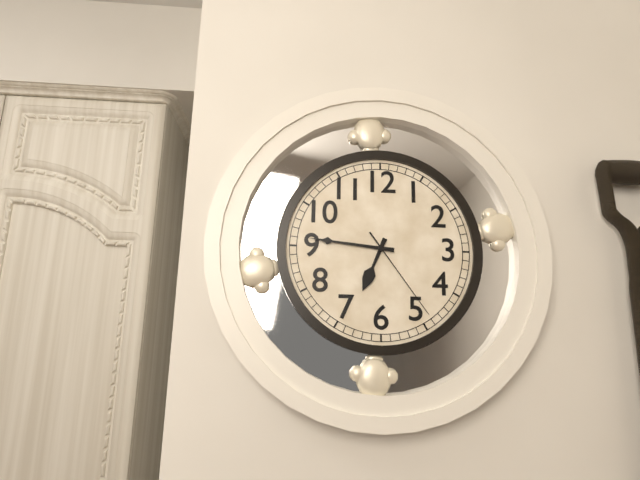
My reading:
h=6 m=46 s=24
